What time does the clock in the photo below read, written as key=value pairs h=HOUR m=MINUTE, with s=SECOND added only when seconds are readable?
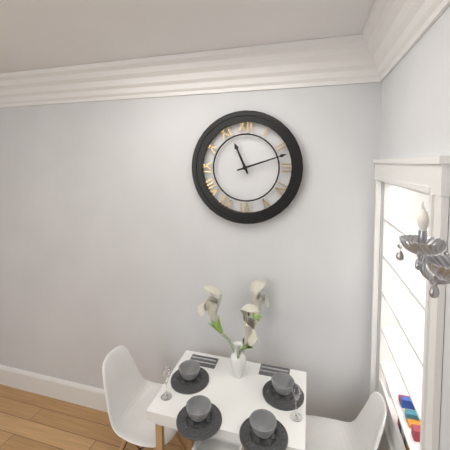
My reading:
h=11 m=12
